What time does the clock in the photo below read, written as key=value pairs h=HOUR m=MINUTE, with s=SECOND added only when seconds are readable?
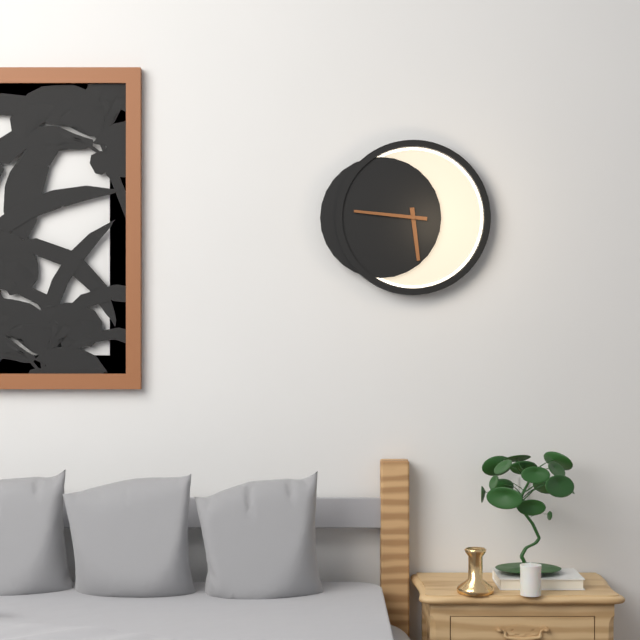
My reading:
h=5 m=46
